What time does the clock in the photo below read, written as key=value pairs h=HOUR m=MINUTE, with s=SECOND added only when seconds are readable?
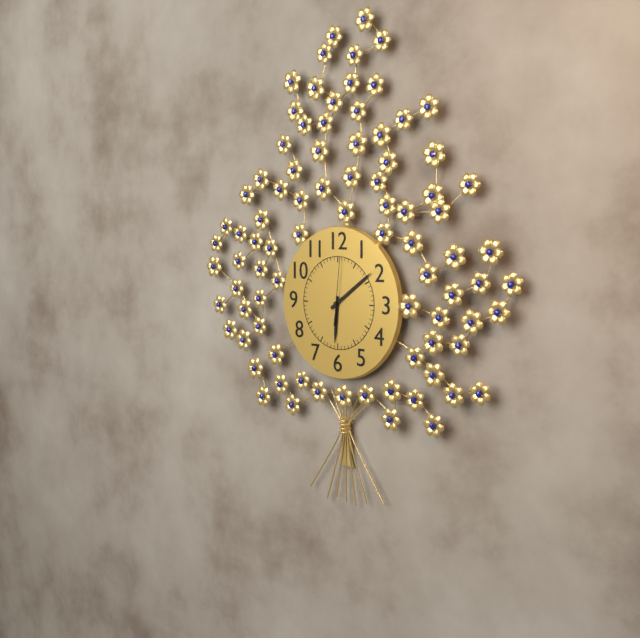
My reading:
h=6 m=9 s=1
